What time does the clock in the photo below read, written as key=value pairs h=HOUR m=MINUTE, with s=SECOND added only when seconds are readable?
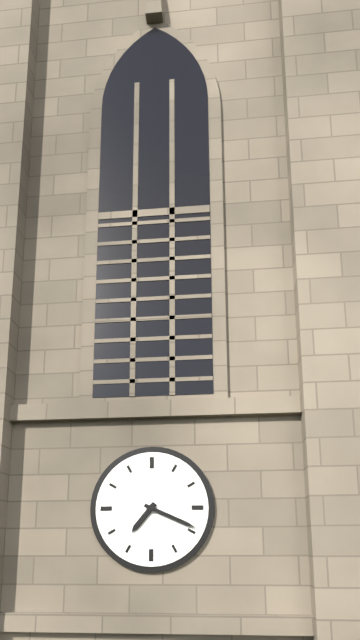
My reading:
h=7 m=19
